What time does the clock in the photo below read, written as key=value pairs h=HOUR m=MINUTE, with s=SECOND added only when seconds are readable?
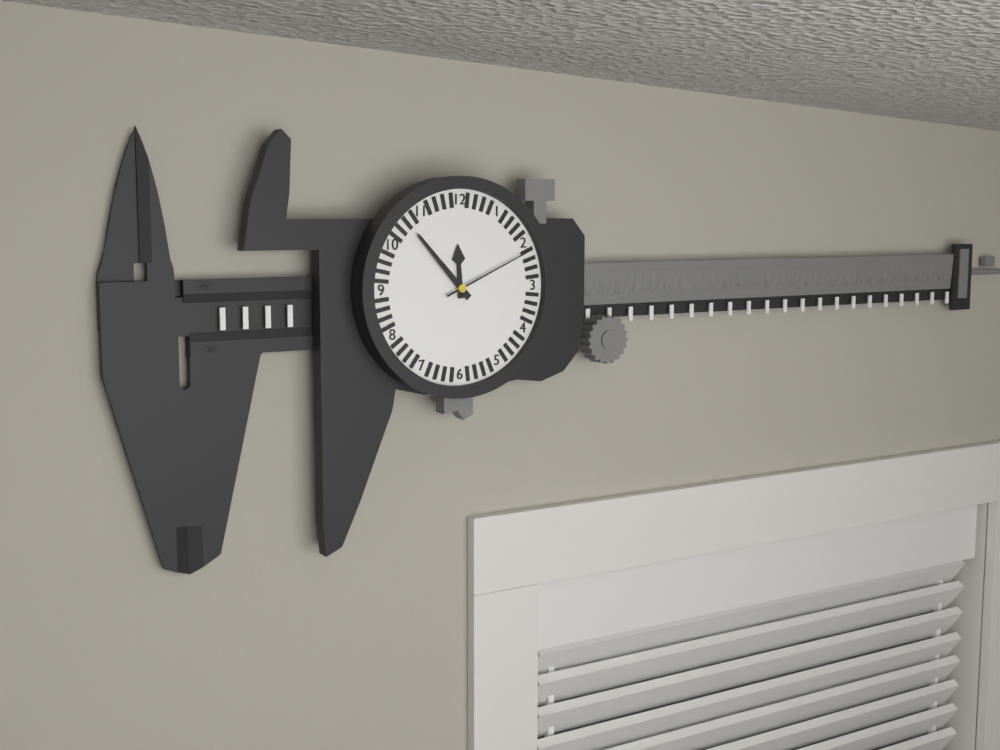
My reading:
h=11 m=53 s=11
